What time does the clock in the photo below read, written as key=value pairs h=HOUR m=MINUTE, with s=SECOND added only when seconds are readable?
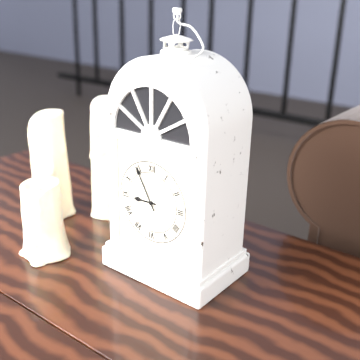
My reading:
h=8 m=55
